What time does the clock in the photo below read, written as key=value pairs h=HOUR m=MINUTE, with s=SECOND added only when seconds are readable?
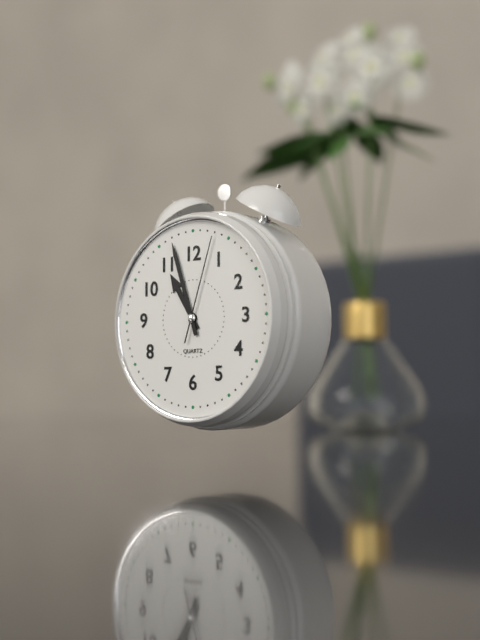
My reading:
h=10 m=57 s=3
